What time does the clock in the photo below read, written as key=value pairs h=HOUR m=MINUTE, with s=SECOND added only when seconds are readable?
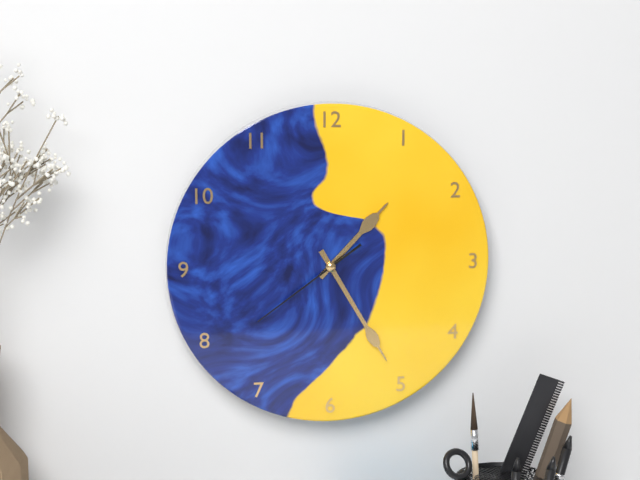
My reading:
h=1 m=25 s=39
